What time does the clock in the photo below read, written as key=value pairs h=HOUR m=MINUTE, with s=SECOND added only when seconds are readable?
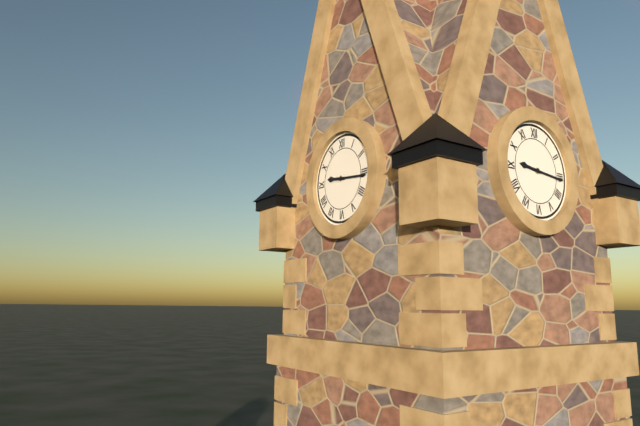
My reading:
h=9 m=16
